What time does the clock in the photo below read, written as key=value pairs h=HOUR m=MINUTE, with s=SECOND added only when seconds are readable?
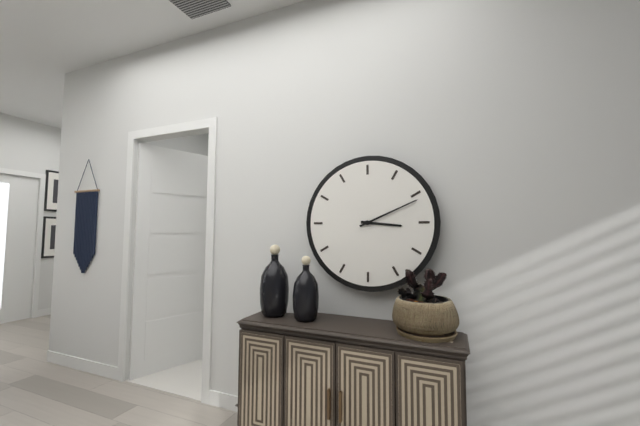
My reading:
h=3 m=11
